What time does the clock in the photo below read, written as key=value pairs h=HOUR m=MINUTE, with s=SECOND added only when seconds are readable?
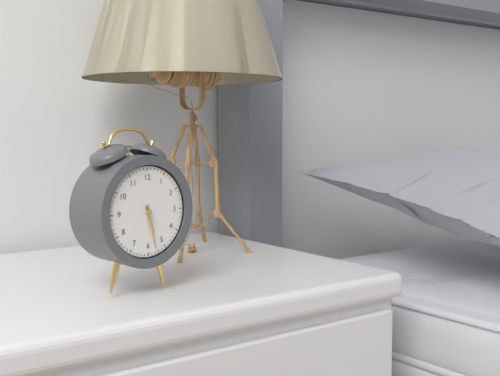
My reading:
h=5 m=28
